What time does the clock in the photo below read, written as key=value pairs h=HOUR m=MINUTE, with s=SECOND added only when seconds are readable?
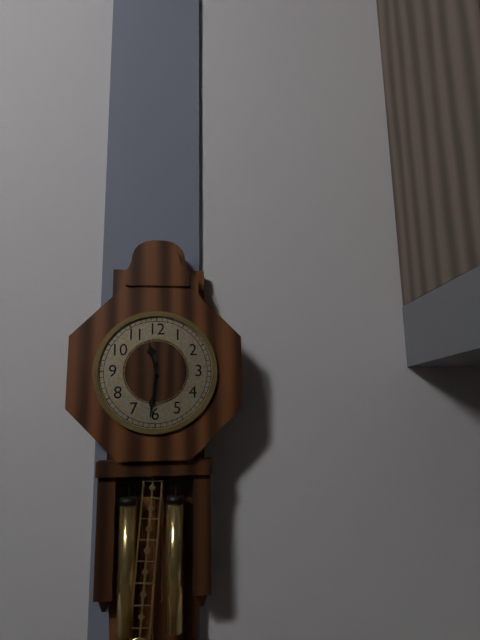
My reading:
h=11 m=31
